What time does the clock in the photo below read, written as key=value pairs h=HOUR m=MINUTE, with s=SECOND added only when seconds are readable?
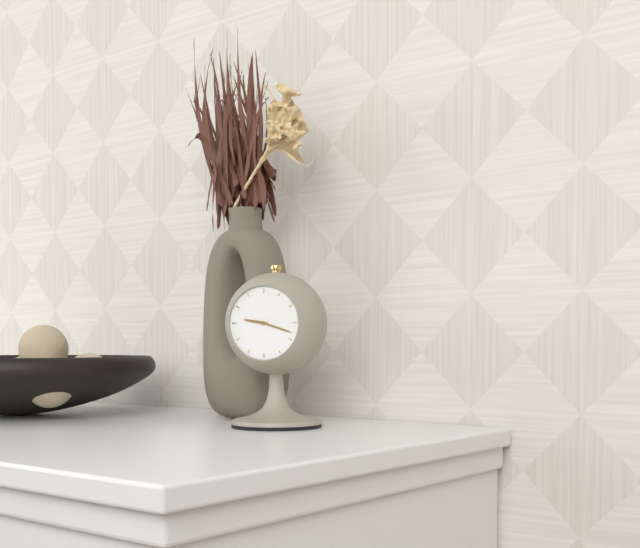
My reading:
h=9 m=18
